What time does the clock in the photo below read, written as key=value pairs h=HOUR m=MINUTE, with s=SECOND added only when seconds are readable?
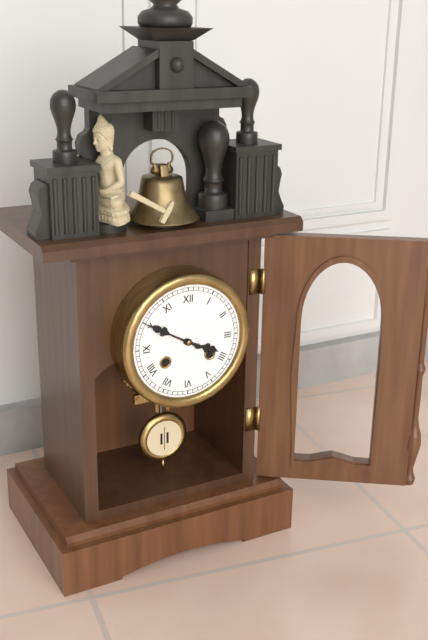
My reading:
h=3 m=50
